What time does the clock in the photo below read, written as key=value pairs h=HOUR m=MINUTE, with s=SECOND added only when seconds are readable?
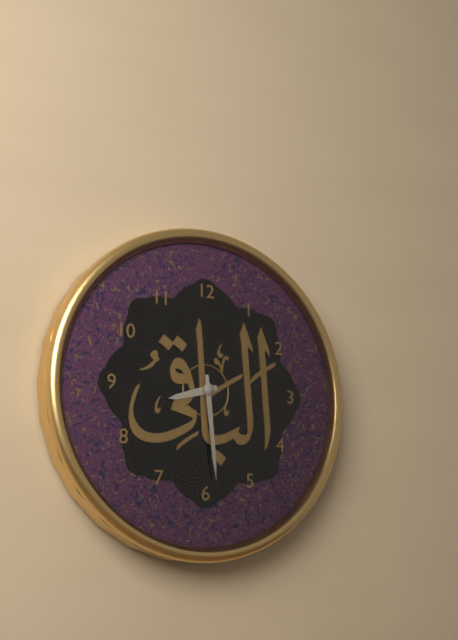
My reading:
h=8 m=29
